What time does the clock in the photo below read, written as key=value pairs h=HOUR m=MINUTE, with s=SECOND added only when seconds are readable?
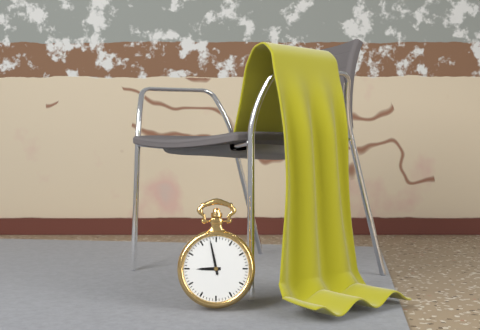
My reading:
h=8 m=58
